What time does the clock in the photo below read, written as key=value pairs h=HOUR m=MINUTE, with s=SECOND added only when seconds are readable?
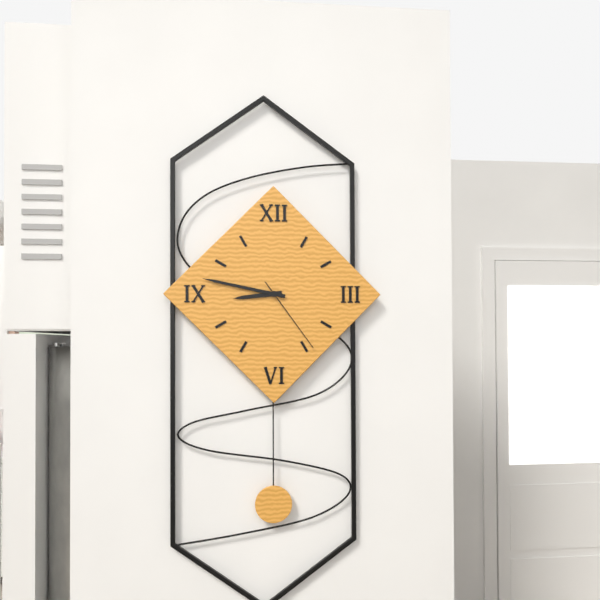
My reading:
h=8 m=47 s=24
